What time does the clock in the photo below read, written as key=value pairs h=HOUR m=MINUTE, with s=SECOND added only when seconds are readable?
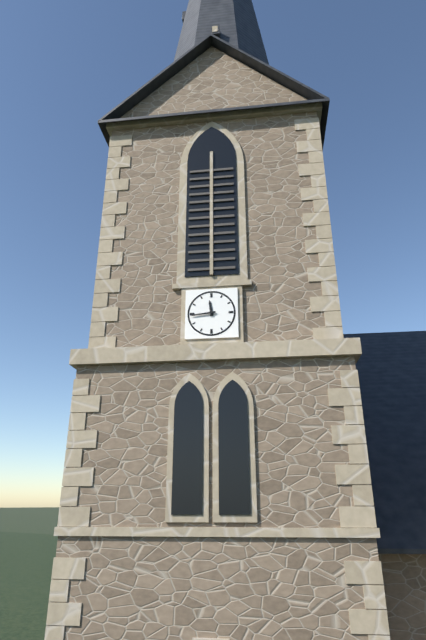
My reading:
h=11 m=44
